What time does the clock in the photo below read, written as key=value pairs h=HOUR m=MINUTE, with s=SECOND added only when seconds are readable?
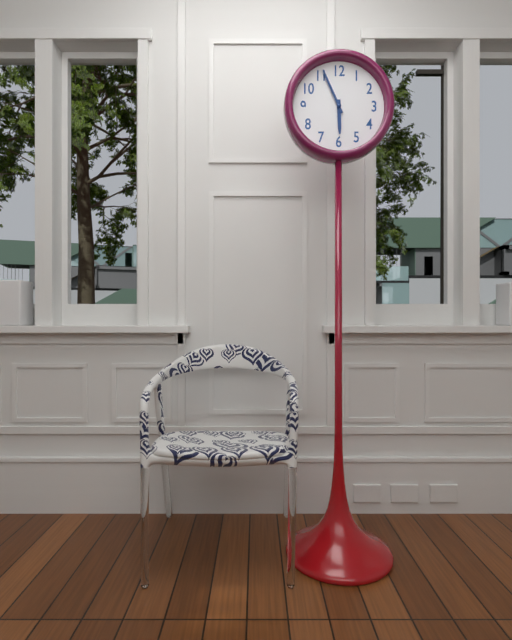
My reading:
h=5 m=56
